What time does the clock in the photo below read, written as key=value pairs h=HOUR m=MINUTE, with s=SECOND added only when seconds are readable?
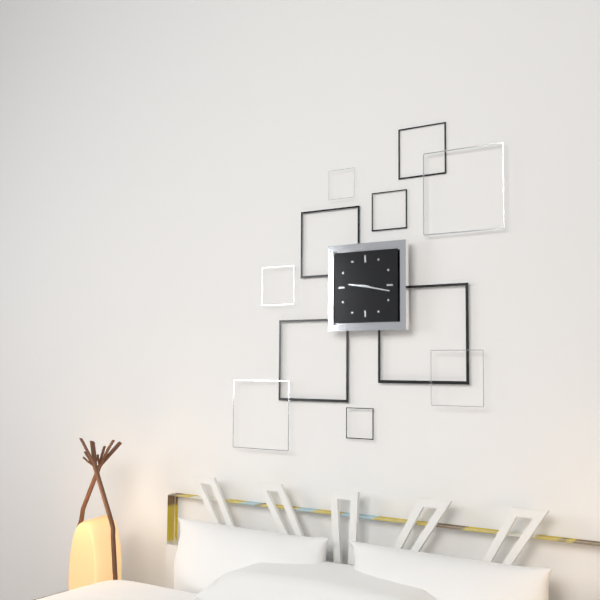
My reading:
h=9 m=17
